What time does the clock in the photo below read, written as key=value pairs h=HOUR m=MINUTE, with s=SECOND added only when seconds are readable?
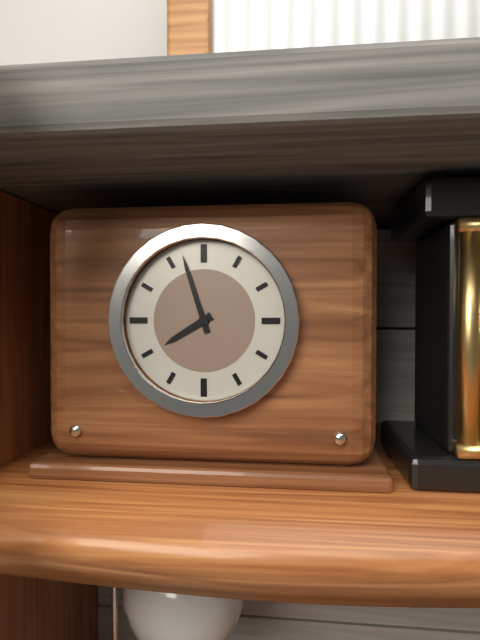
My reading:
h=7 m=57
